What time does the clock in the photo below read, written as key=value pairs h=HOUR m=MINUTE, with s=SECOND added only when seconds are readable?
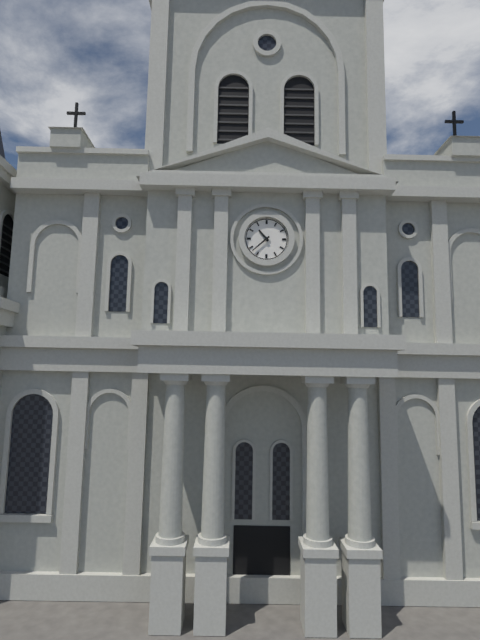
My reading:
h=10 m=38
